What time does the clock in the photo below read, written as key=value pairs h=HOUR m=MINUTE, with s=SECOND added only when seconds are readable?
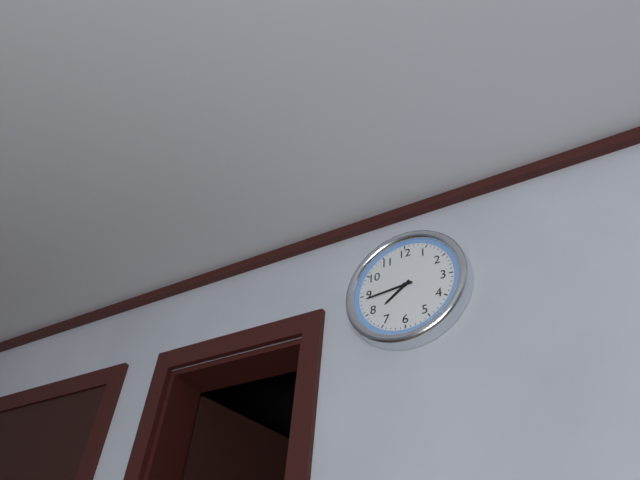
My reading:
h=7 m=44
